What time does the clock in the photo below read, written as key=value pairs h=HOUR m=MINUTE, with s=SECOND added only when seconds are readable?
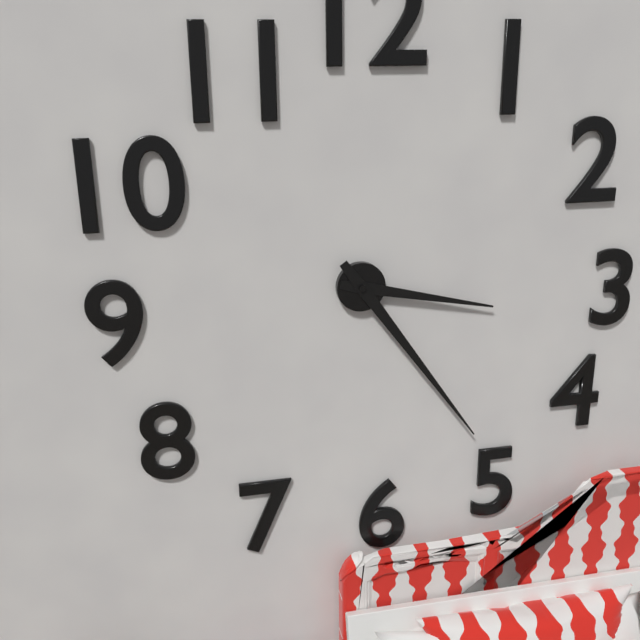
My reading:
h=3 m=24
